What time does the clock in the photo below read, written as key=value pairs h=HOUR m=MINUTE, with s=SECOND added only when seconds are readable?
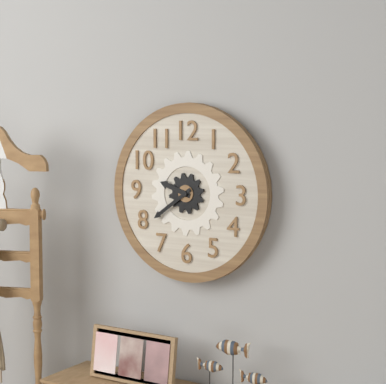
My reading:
h=9 m=39
